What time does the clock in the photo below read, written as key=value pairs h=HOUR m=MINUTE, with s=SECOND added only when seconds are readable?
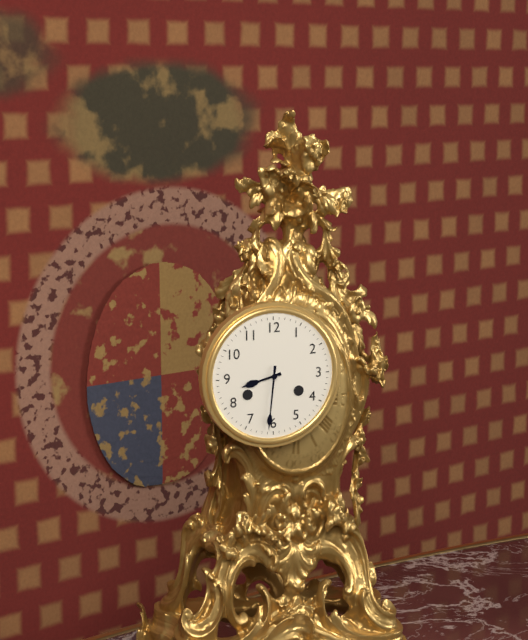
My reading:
h=8 m=31
